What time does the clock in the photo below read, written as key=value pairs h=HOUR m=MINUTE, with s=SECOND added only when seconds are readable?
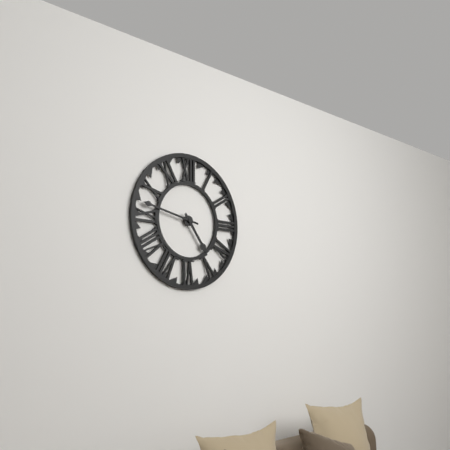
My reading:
h=4 m=47
